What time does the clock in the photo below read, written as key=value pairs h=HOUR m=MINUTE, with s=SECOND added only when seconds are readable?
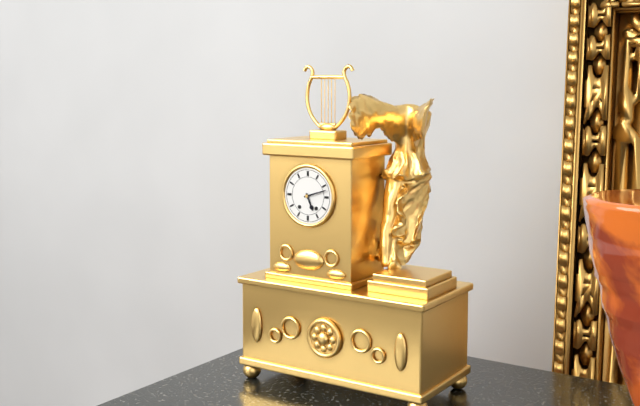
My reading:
h=5 m=12
